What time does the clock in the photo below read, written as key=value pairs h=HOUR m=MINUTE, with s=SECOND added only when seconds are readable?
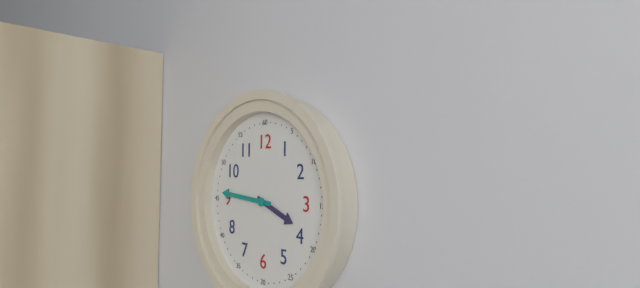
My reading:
h=3 m=46
